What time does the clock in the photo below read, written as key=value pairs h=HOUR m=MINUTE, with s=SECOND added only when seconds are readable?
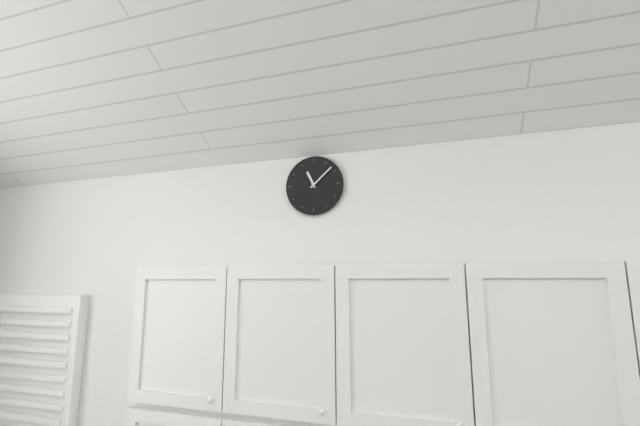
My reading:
h=11 m=8
